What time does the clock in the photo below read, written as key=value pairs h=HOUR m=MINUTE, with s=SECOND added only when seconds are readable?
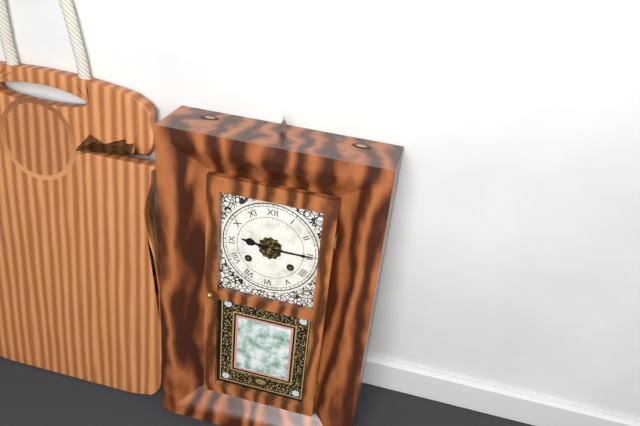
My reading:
h=9 m=15
